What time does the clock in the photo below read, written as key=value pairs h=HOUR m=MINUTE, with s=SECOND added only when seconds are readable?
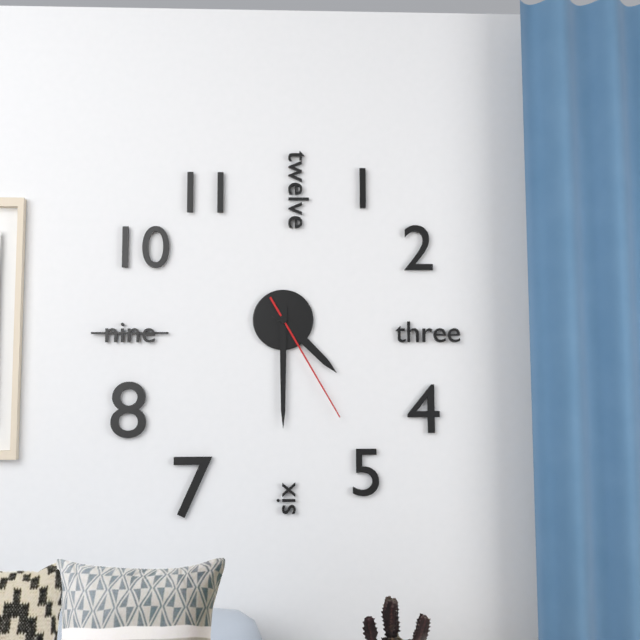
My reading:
h=4 m=30 s=25
